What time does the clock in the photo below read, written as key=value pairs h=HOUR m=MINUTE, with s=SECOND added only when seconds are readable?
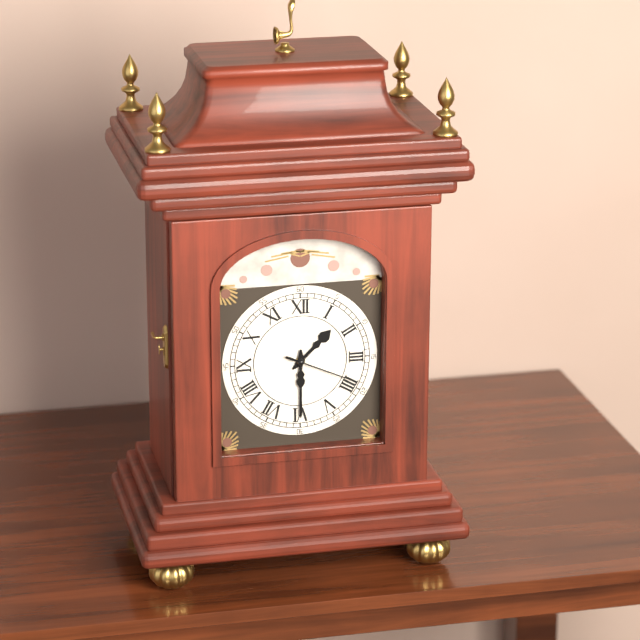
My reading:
h=1 m=30 s=19
